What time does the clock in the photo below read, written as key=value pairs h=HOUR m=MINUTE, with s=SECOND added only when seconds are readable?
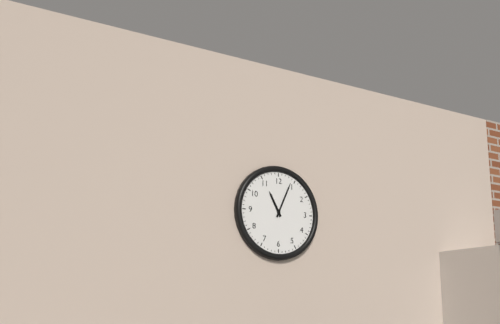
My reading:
h=11 m=4
